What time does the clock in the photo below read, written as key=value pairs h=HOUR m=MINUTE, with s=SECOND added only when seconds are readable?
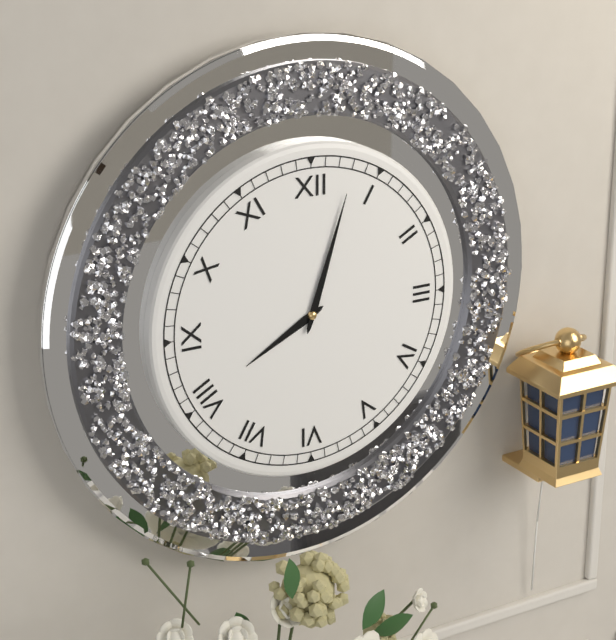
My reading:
h=8 m=3
